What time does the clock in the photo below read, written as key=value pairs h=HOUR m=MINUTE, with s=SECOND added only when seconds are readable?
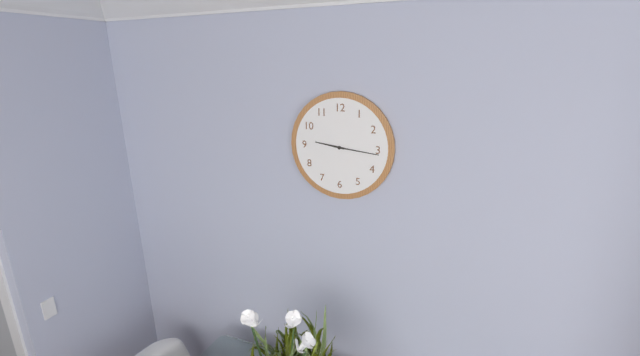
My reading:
h=9 m=16
